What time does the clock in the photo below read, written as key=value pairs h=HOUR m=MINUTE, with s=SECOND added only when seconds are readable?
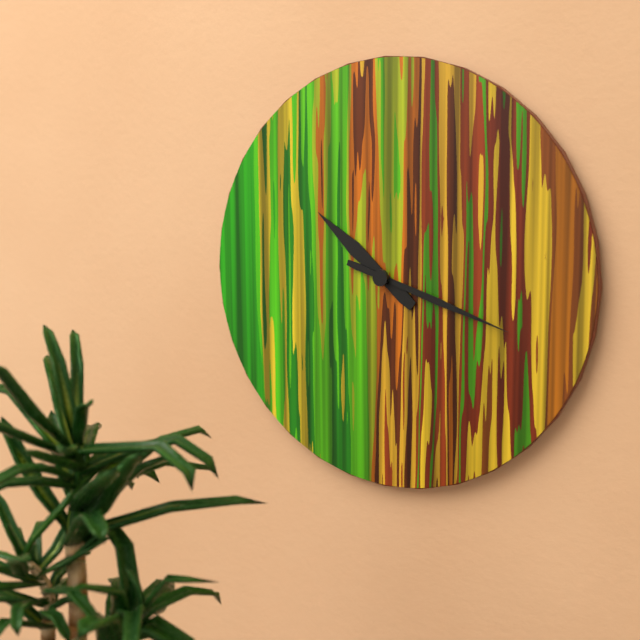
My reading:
h=10 m=18
